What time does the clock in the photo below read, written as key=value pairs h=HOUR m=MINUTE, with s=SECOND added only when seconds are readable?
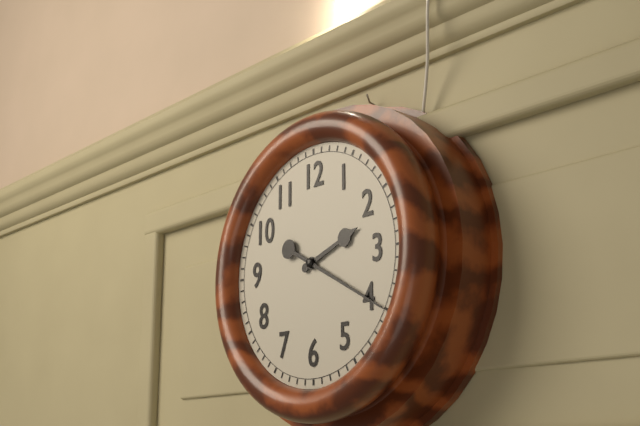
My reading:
h=2 m=20
